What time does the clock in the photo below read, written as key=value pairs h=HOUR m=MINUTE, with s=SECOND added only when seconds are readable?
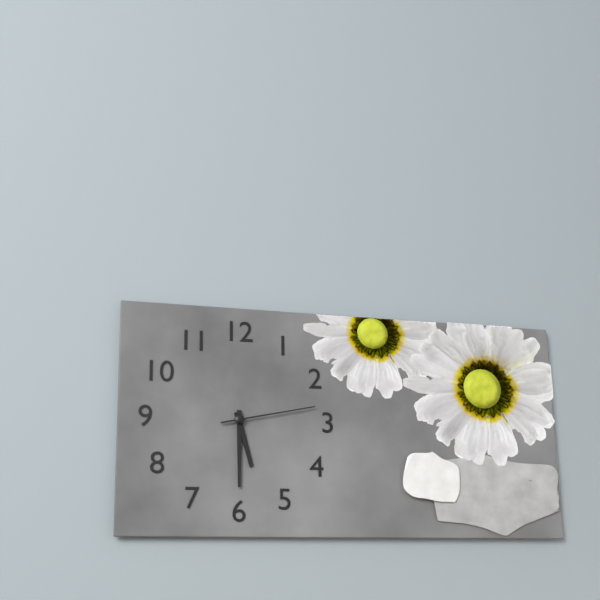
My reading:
h=5 m=30 s=13
